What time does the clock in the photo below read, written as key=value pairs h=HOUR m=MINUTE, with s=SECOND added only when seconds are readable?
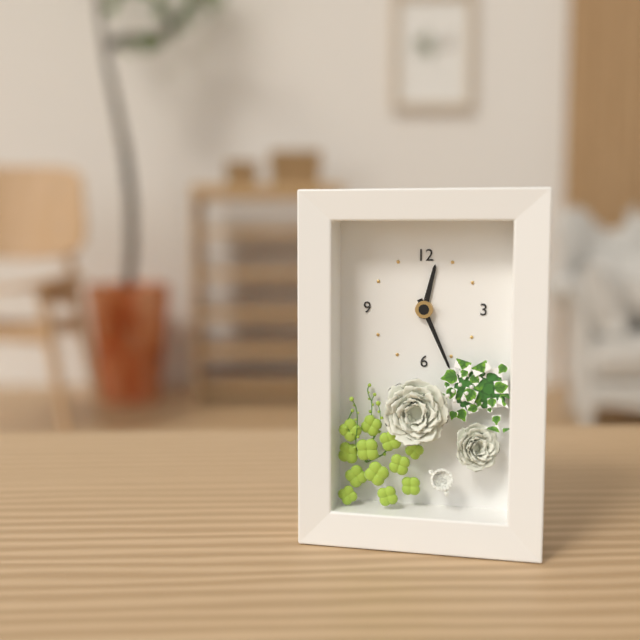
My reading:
h=12 m=26
